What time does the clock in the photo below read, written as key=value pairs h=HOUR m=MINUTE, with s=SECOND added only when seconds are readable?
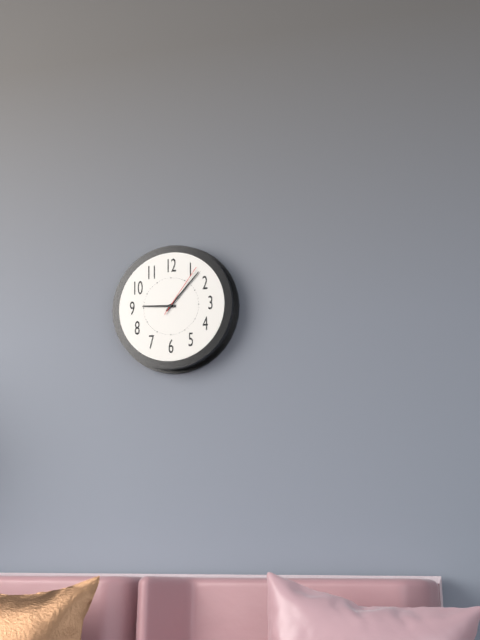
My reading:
h=9 m=7 s=6
